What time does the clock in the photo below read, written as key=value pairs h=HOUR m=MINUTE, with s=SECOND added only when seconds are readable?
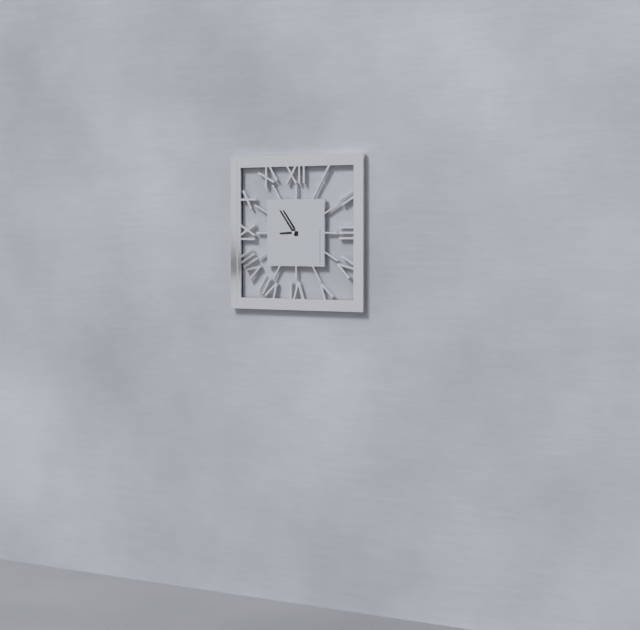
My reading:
h=8 m=54
